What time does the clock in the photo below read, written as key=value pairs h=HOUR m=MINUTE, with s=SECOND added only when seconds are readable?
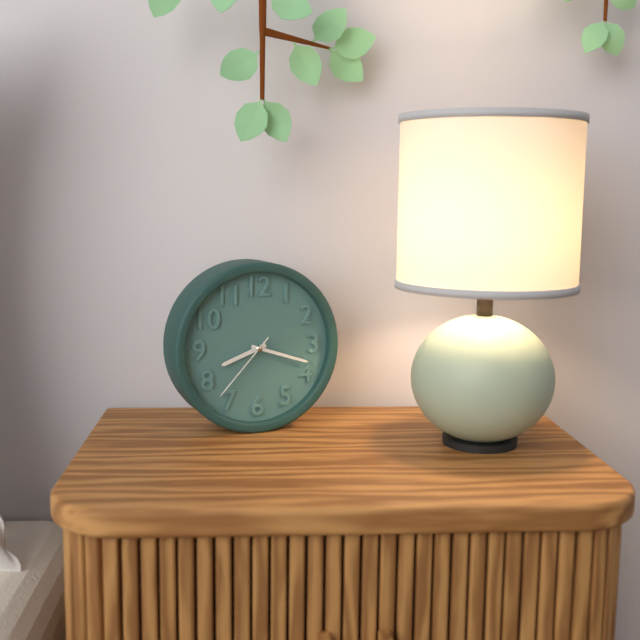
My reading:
h=8 m=18 s=37
